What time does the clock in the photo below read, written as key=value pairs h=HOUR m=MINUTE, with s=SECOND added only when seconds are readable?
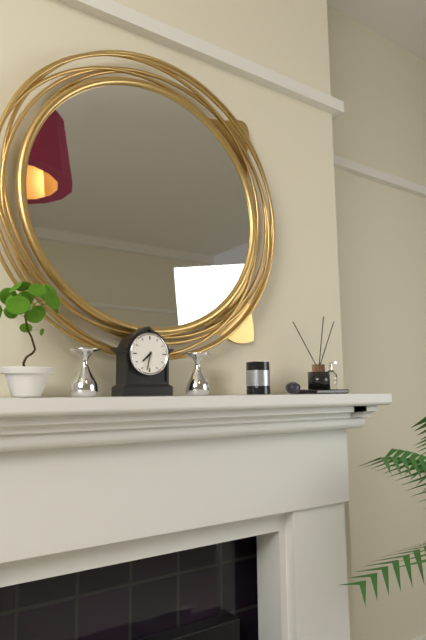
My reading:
h=7 m=32
